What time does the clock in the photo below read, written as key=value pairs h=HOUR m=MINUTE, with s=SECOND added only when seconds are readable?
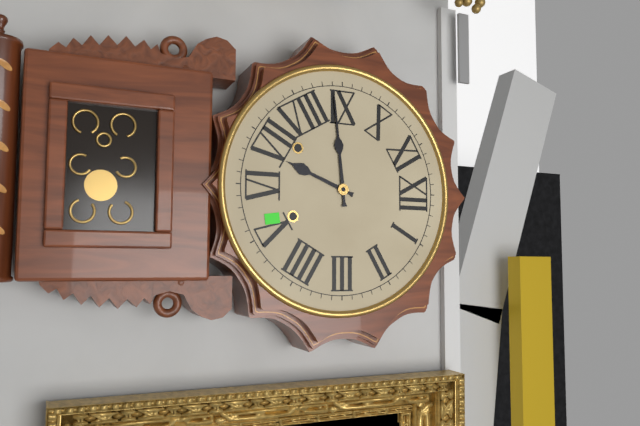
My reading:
h=6 m=44
